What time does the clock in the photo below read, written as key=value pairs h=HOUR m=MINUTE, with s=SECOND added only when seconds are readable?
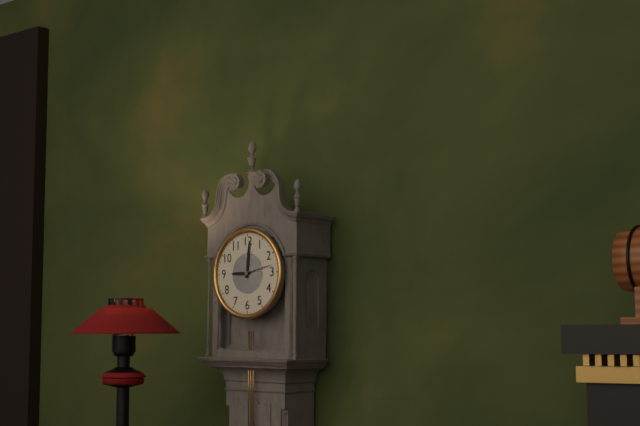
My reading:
h=9 m=1
